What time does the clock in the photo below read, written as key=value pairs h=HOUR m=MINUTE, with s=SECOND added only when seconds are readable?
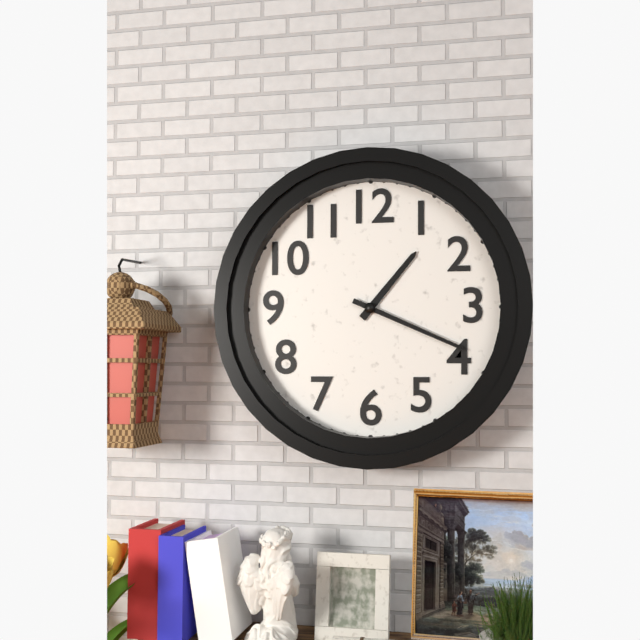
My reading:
h=1 m=19
